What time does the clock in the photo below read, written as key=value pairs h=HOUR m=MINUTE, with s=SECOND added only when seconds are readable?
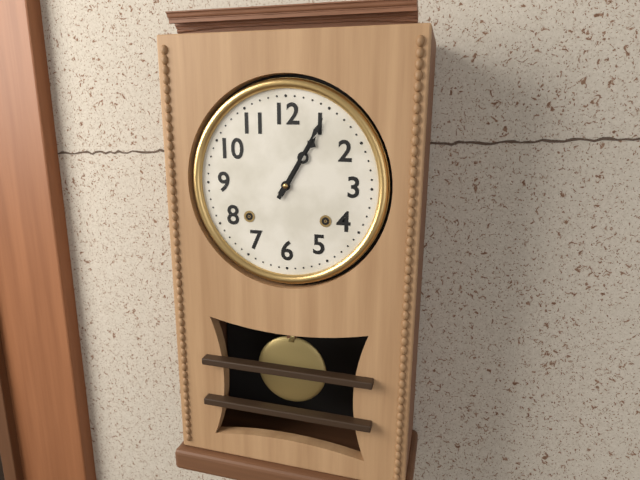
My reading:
h=1 m=5
